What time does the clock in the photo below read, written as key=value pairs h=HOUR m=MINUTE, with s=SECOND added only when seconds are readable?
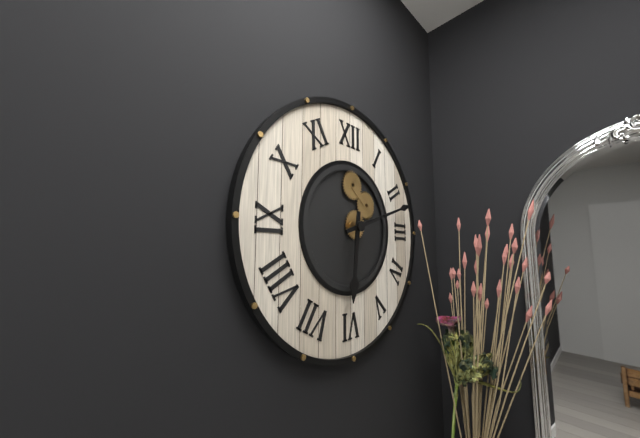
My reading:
h=6 m=12
